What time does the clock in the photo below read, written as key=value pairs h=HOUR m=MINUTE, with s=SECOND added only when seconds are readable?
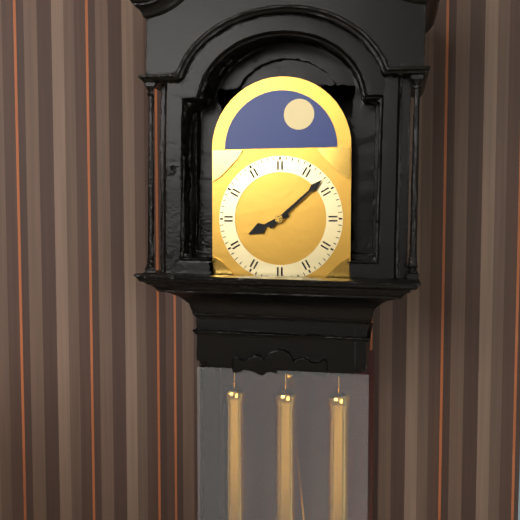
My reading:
h=8 m=8
